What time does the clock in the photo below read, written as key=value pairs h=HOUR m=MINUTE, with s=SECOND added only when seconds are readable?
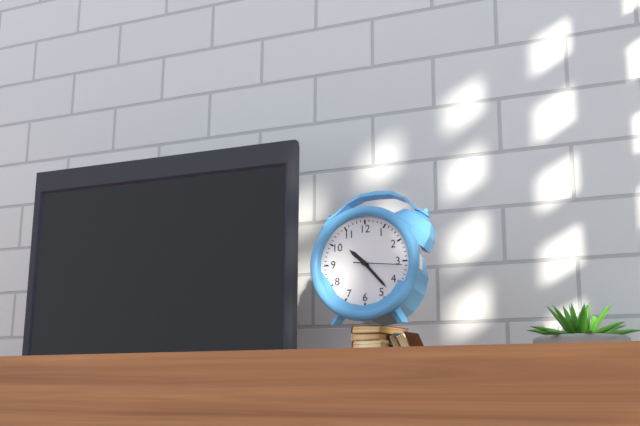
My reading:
h=10 m=23
